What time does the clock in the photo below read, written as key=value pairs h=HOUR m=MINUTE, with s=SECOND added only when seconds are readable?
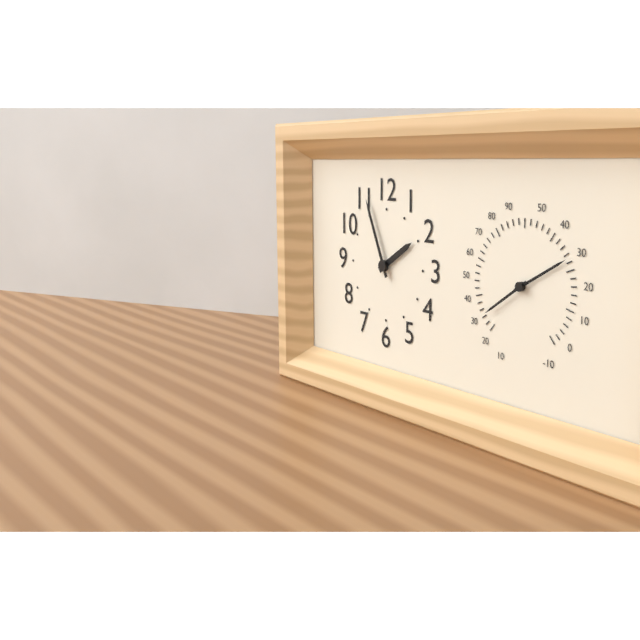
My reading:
h=1 m=56
